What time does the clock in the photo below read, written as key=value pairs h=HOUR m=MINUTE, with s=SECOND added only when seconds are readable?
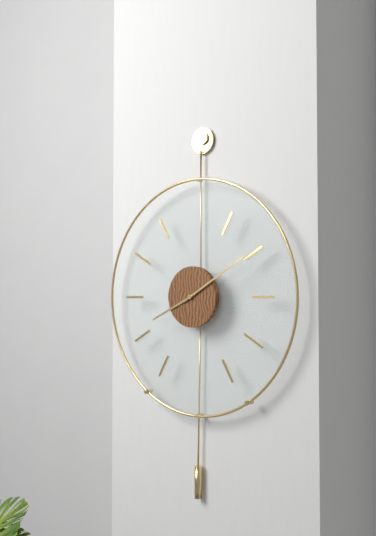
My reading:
h=8 m=10
